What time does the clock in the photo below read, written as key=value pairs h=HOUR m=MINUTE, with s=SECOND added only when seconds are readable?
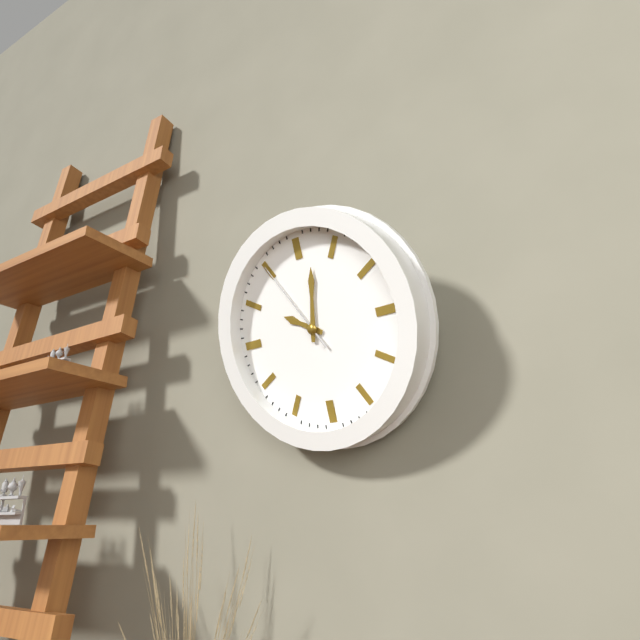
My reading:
h=10 m=2 s=55
